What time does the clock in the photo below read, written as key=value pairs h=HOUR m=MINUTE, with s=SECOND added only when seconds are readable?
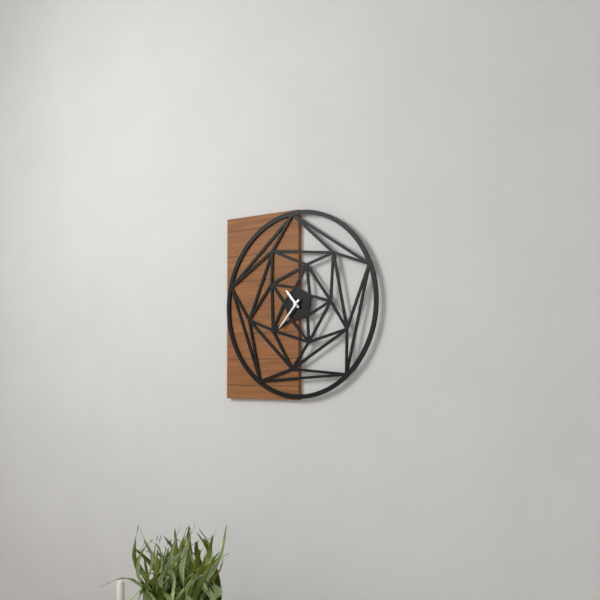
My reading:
h=10 m=37
